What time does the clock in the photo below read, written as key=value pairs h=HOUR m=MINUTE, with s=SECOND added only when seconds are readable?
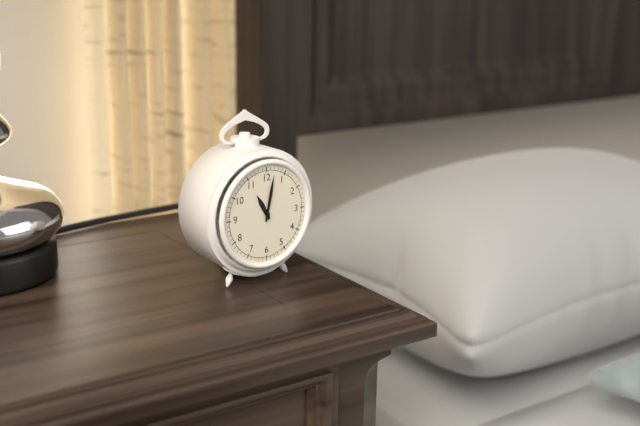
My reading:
h=11 m=2
